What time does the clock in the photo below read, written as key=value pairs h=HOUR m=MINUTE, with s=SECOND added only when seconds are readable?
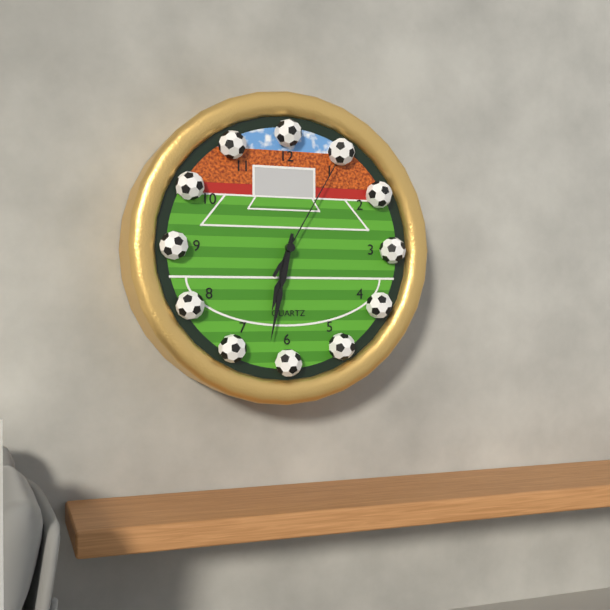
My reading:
h=6 m=32 s=5
